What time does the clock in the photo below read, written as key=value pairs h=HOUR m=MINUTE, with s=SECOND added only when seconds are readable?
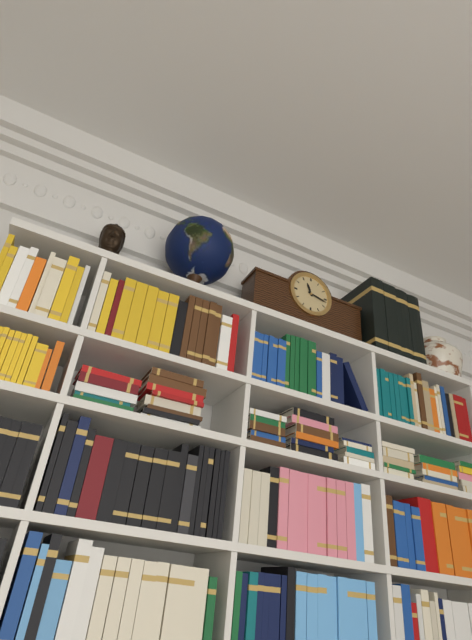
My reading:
h=11 m=17
